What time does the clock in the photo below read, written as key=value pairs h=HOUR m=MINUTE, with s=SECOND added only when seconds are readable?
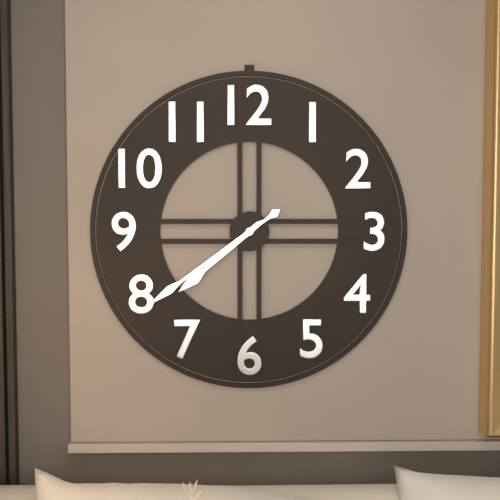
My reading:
h=7 m=39
